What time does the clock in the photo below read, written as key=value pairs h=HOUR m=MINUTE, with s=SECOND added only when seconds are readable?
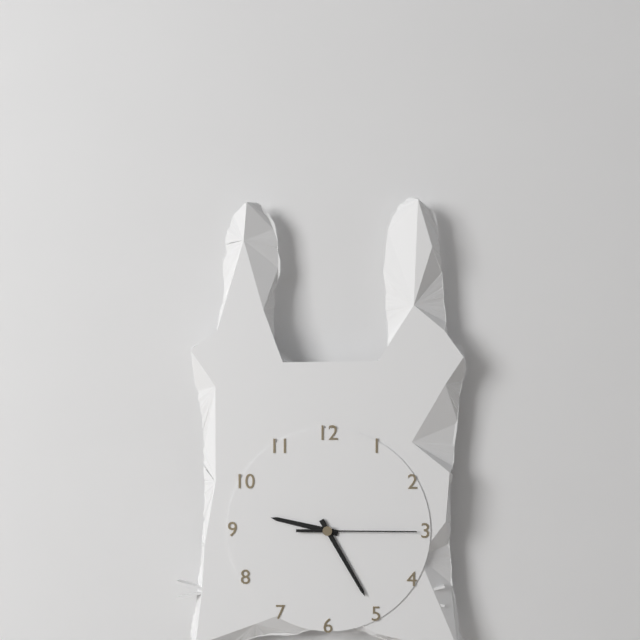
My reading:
h=9 m=25 s=15
